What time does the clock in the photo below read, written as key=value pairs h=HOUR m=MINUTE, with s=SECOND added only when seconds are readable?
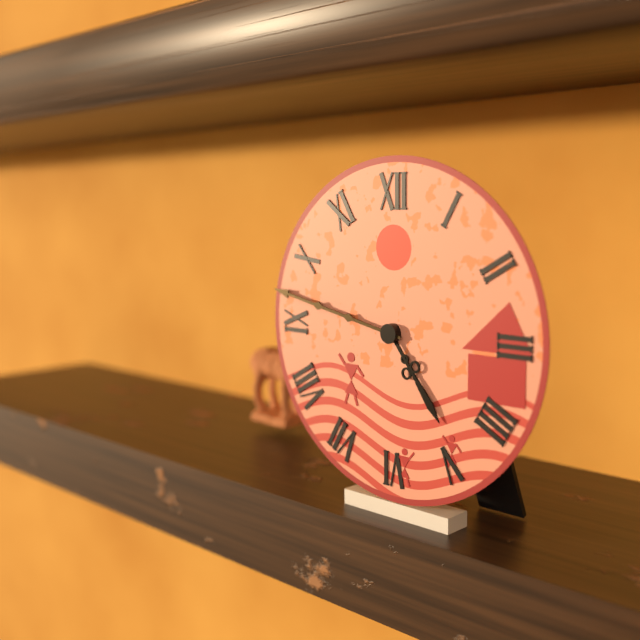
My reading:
h=4 m=47
